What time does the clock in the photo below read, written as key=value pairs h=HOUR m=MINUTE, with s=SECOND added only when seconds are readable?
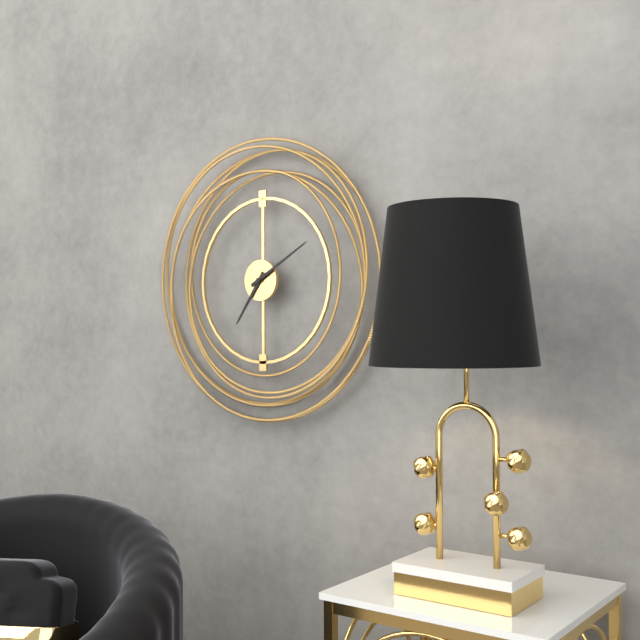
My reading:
h=7 m=10
